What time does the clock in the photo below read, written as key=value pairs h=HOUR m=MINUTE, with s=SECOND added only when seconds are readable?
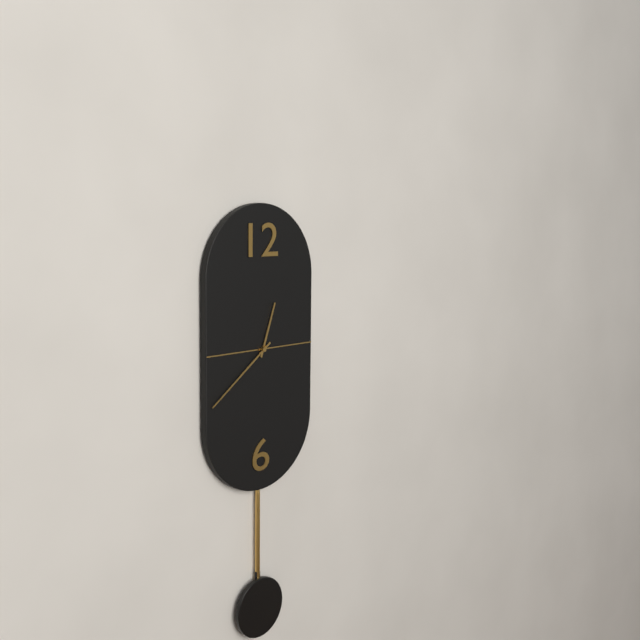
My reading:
h=12 m=39
